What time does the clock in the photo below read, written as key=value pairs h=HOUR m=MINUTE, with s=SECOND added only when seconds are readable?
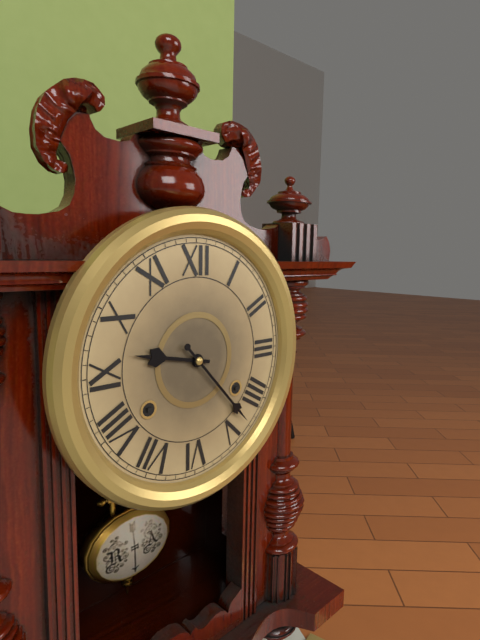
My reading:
h=9 m=23
